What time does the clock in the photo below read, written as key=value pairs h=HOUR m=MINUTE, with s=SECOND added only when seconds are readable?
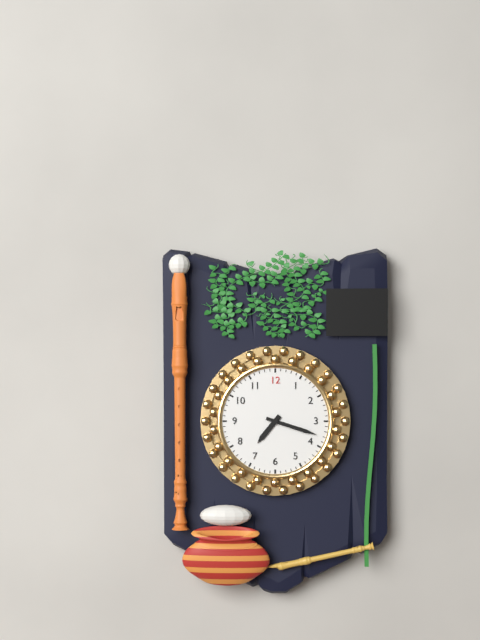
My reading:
h=7 m=18
